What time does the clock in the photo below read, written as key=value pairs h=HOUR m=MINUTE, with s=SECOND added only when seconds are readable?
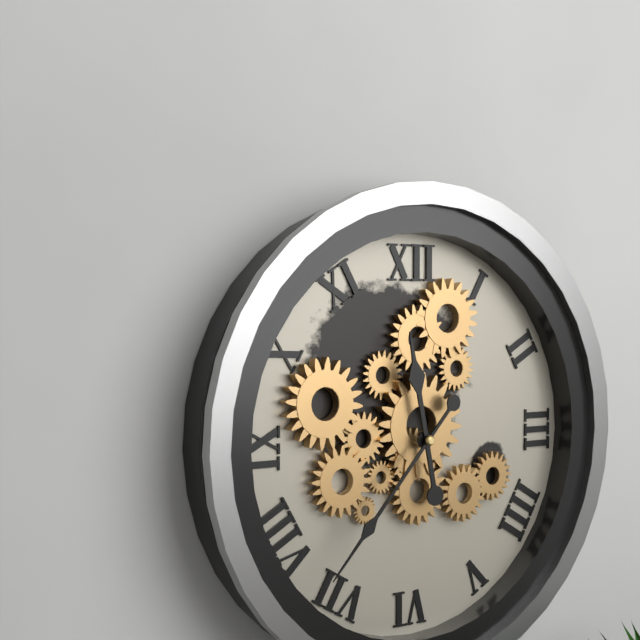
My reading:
h=11 m=37
